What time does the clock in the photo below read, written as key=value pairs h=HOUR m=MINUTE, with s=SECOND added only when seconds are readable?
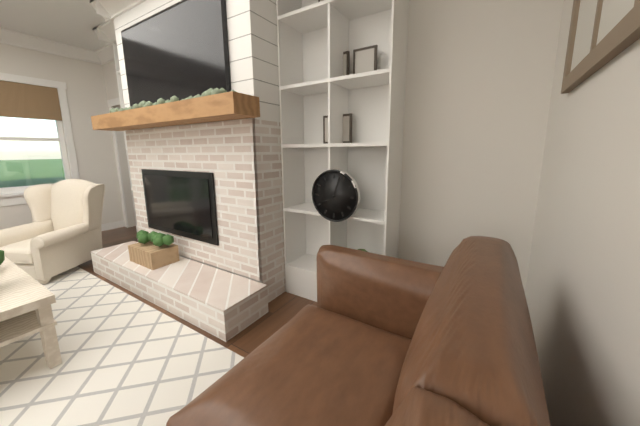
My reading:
h=8 m=3
